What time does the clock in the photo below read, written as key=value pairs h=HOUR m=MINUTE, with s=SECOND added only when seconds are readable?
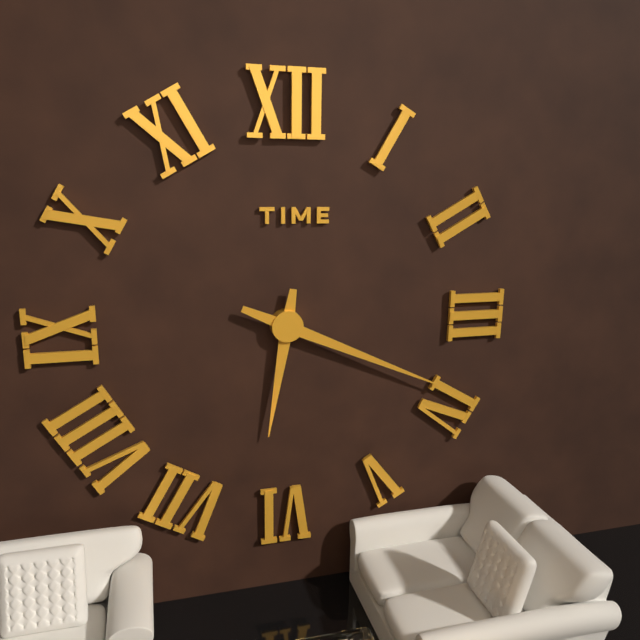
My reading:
h=6 m=19
